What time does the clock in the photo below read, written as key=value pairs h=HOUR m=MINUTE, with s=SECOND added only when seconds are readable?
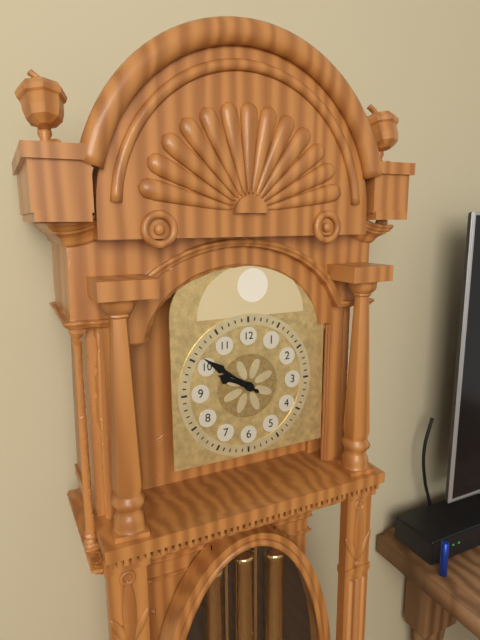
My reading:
h=9 m=51
